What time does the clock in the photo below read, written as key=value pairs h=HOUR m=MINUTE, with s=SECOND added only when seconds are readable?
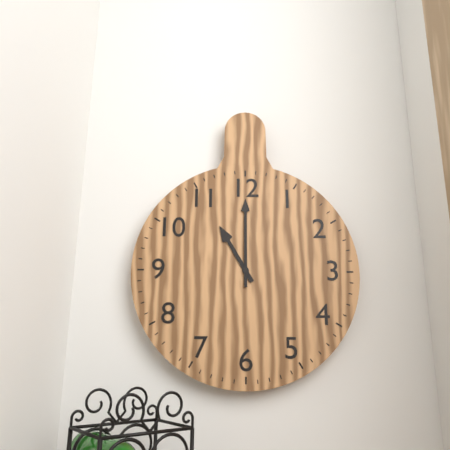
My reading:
h=11 m=0
